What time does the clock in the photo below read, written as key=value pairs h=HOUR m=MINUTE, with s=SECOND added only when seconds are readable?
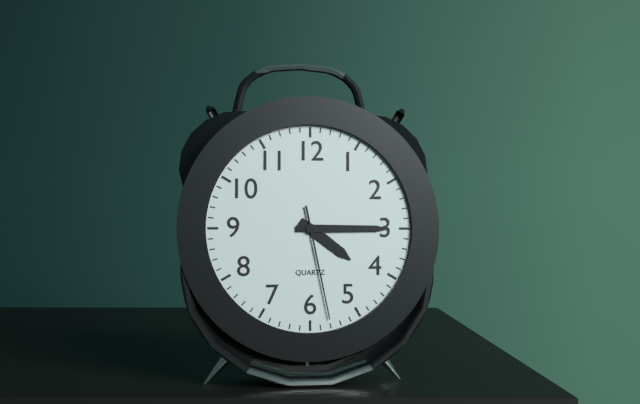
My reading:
h=4 m=15 s=28
